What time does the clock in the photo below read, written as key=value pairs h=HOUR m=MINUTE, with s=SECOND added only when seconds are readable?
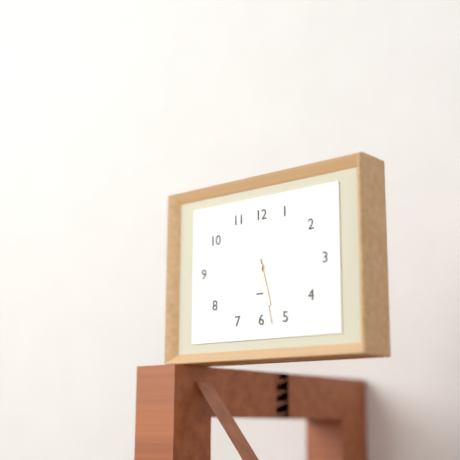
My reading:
h=5 m=28
